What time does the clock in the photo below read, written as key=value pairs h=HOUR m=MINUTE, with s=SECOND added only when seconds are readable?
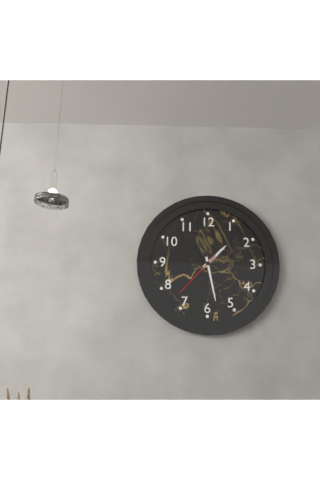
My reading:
h=1 m=28 s=37
